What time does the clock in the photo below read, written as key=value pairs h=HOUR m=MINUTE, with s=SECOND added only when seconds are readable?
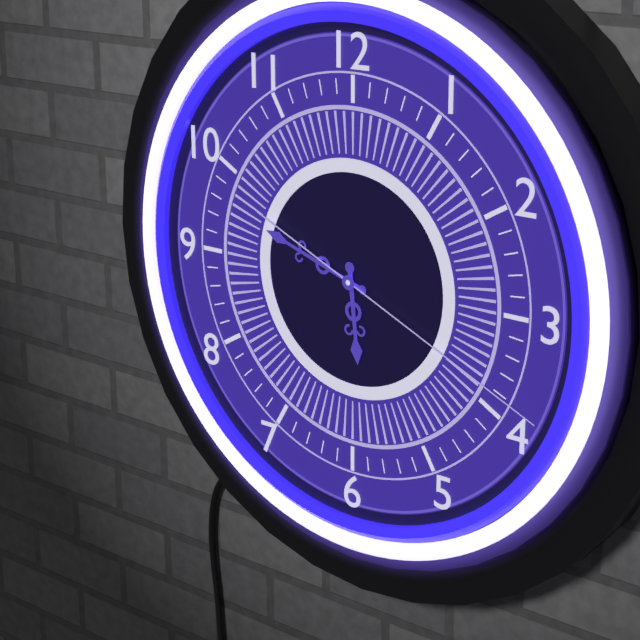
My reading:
h=5 m=48 s=19
